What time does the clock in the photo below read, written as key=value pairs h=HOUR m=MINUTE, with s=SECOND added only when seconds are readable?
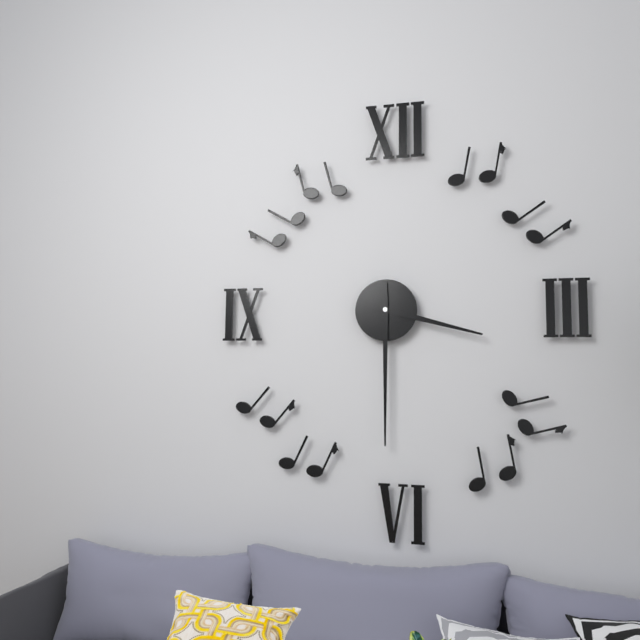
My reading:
h=3 m=30
